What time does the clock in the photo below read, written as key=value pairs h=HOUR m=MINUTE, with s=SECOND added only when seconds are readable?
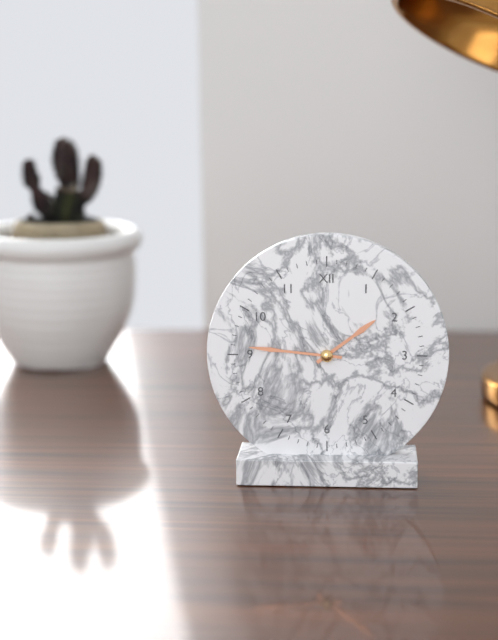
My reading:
h=1 m=46
